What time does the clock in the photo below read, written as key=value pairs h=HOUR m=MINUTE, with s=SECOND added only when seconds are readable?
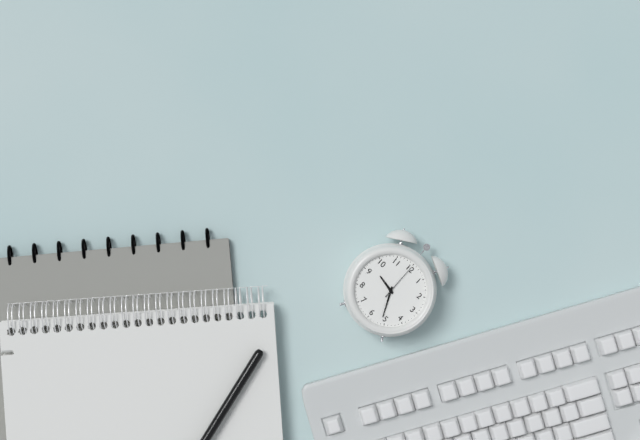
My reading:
h=9 m=26
